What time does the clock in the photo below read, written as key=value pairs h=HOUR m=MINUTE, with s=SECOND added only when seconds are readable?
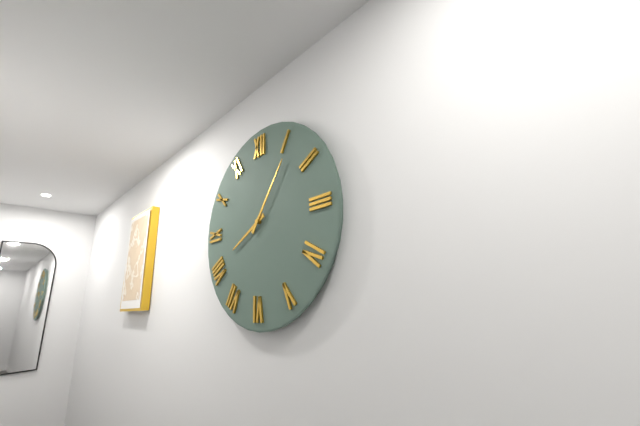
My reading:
h=8 m=6
